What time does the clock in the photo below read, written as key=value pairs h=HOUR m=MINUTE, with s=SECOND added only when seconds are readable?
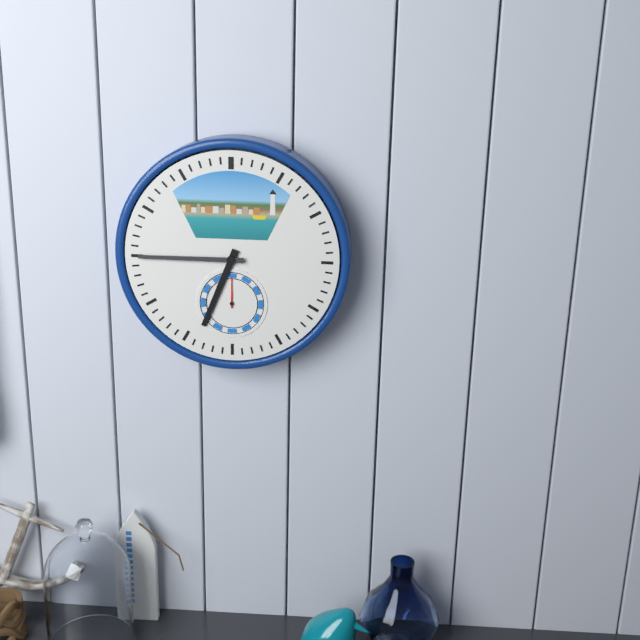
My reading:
h=6 m=45
